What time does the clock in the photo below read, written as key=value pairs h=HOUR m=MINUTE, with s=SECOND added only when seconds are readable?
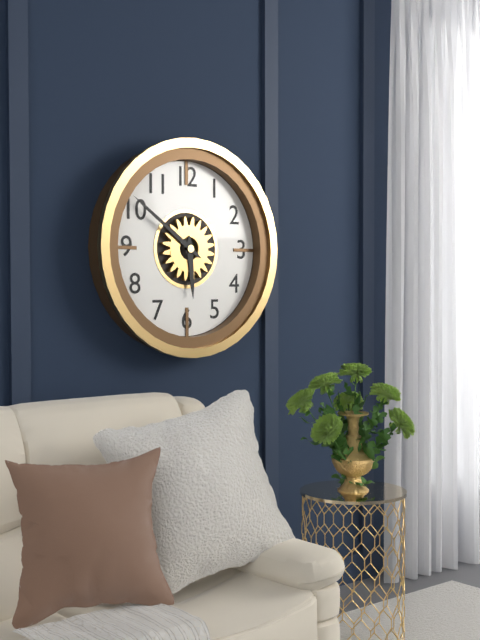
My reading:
h=5 m=51
